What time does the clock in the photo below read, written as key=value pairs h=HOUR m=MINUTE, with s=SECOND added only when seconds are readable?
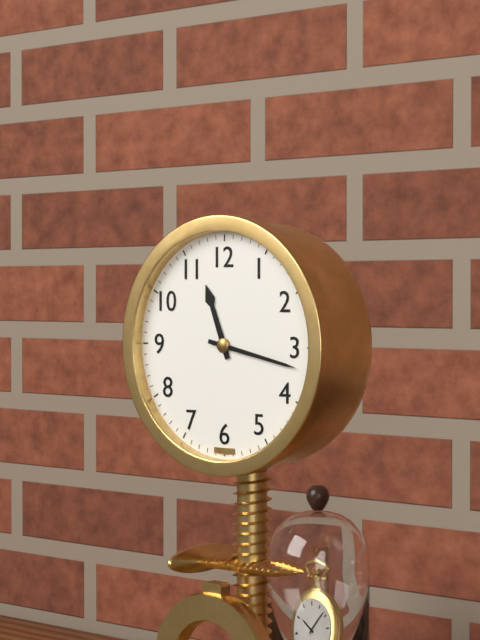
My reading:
h=11 m=17
